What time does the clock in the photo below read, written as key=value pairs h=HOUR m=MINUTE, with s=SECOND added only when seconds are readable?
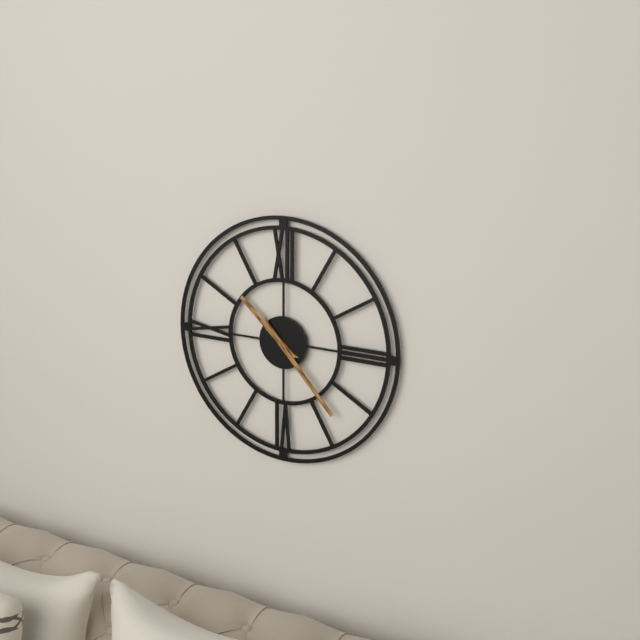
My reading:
h=10 m=23
